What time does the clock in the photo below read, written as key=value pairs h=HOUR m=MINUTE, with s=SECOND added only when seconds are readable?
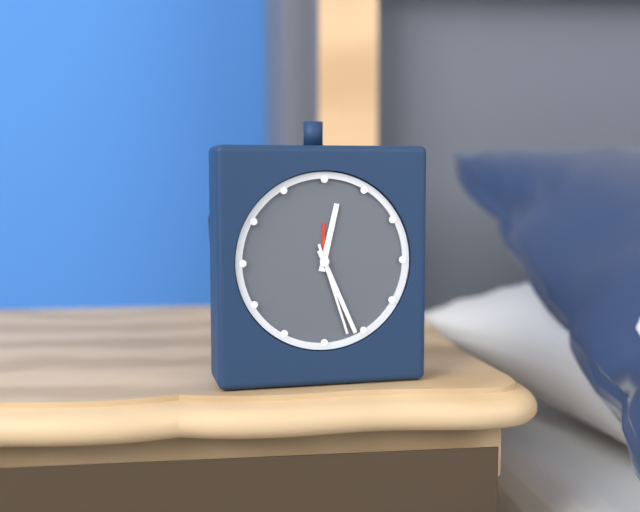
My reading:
h=12 m=26 s=27
